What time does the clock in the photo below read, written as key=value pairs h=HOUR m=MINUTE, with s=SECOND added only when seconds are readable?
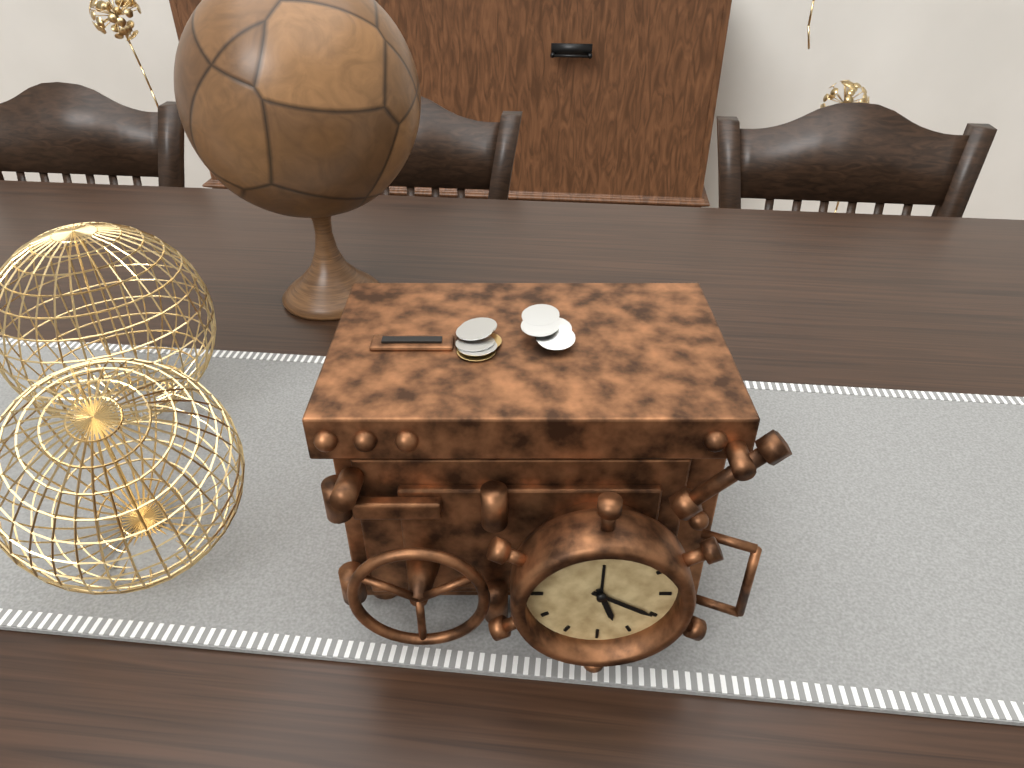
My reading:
h=5 m=20
